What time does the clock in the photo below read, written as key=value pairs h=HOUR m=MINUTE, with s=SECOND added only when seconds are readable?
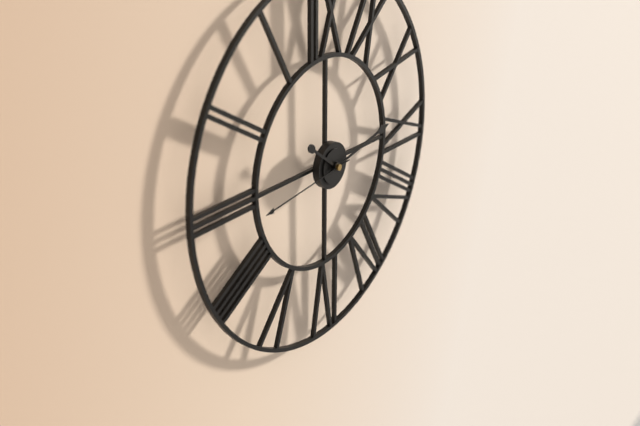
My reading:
h=10 m=13 s=44
